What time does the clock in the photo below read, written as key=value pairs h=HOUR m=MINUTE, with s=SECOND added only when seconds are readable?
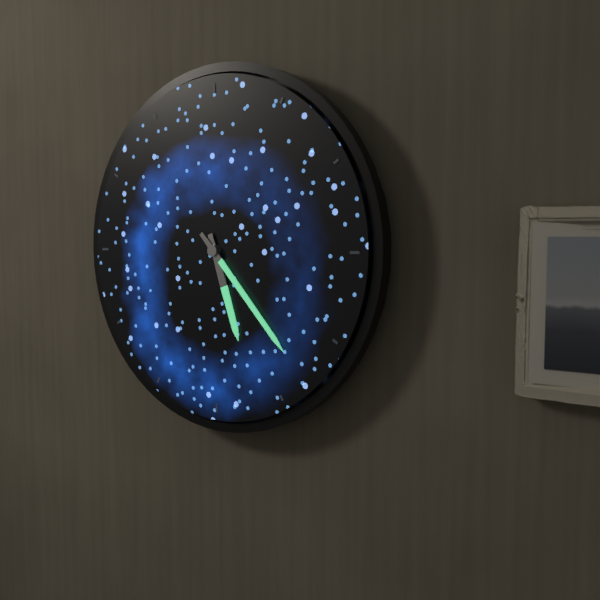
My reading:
h=5 m=23
